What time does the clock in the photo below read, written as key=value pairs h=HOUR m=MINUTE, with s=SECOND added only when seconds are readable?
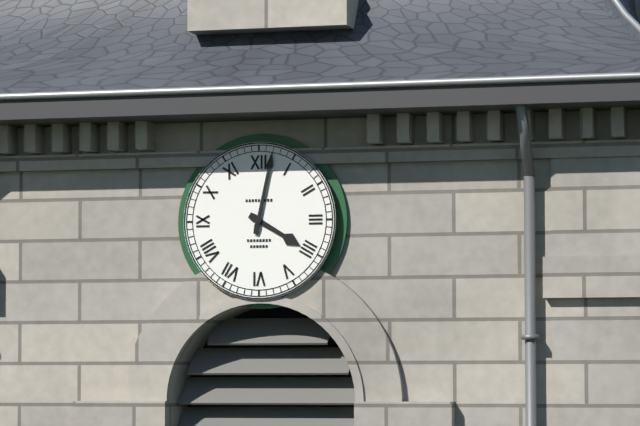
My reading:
h=4 m=2
